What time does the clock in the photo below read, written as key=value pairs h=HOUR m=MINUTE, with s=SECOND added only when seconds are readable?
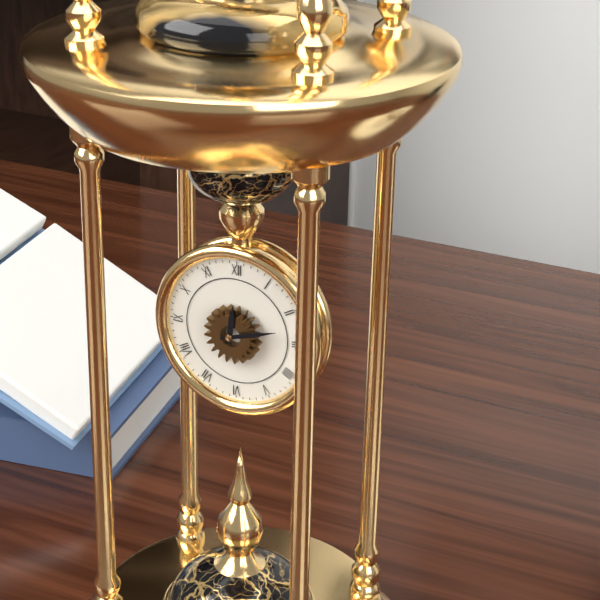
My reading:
h=12 m=12
